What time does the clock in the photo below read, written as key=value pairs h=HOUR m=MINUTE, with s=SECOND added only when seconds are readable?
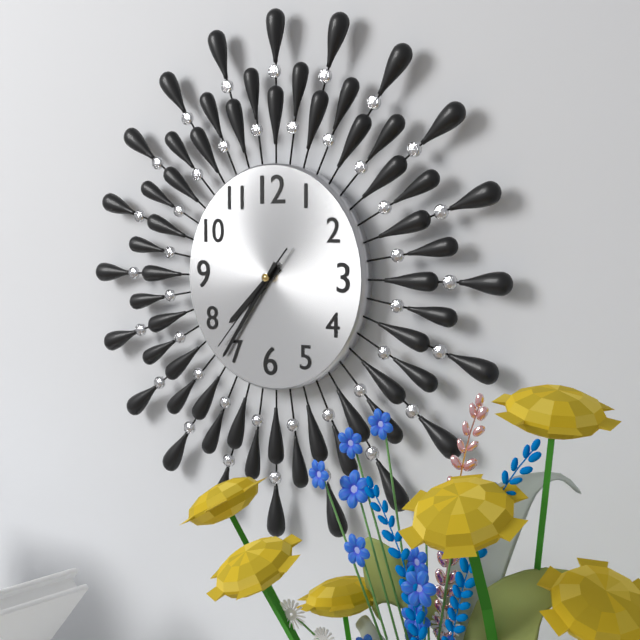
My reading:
h=7 m=36 s=37
